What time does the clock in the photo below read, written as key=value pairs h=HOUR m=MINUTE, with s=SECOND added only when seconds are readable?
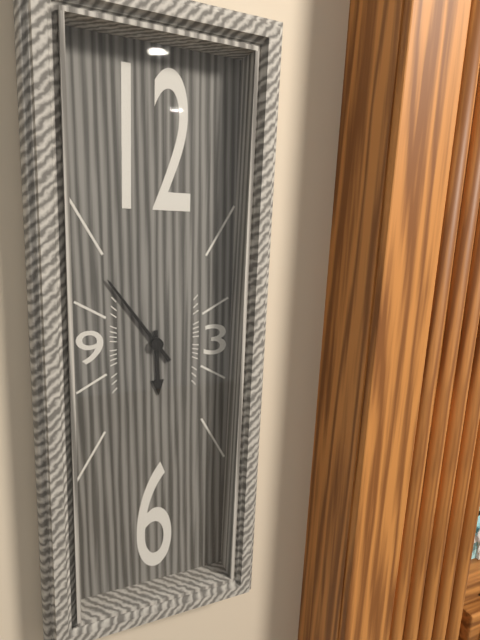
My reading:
h=5 m=54
